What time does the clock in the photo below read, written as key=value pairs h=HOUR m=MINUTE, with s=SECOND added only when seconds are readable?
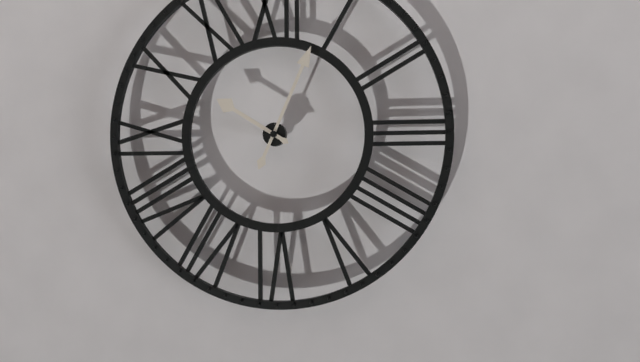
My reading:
h=10 m=4
